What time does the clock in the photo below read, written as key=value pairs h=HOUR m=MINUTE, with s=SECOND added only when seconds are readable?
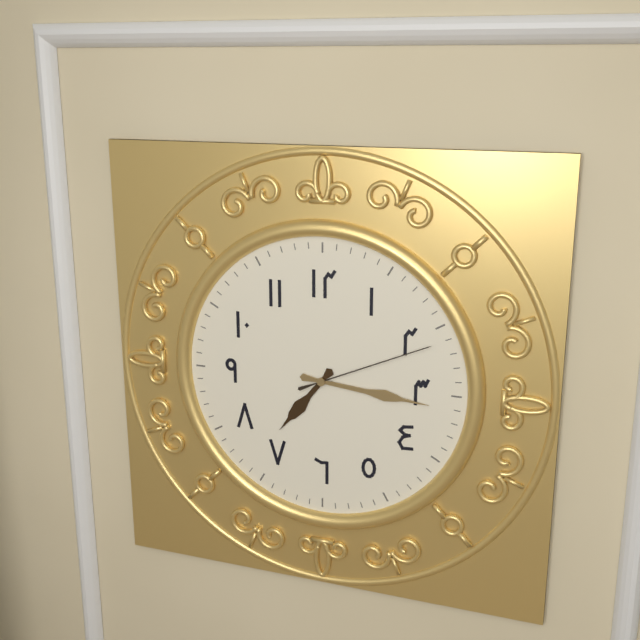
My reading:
h=7 m=16 s=11
